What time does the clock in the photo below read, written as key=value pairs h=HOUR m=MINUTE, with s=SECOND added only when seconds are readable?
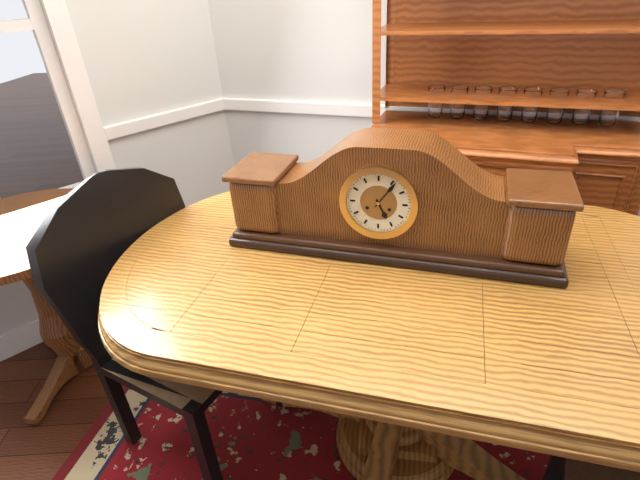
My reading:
h=5 m=6
